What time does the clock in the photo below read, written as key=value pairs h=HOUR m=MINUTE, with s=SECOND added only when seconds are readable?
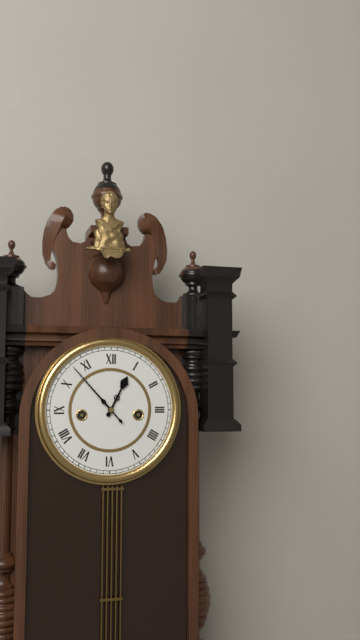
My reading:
h=12 m=53
